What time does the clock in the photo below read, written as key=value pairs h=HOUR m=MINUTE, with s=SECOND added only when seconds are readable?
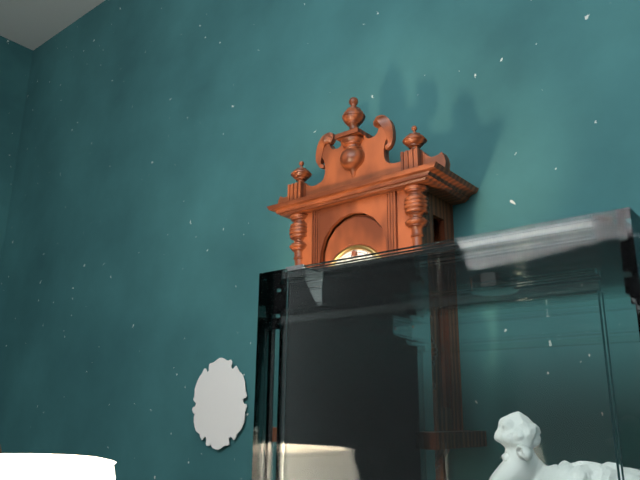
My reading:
h=9 m=18
